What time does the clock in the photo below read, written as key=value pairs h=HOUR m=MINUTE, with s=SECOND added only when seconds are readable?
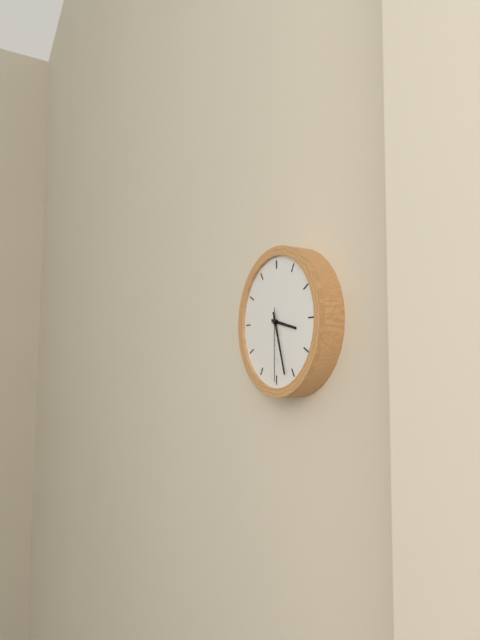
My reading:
h=3 m=27 s=30
